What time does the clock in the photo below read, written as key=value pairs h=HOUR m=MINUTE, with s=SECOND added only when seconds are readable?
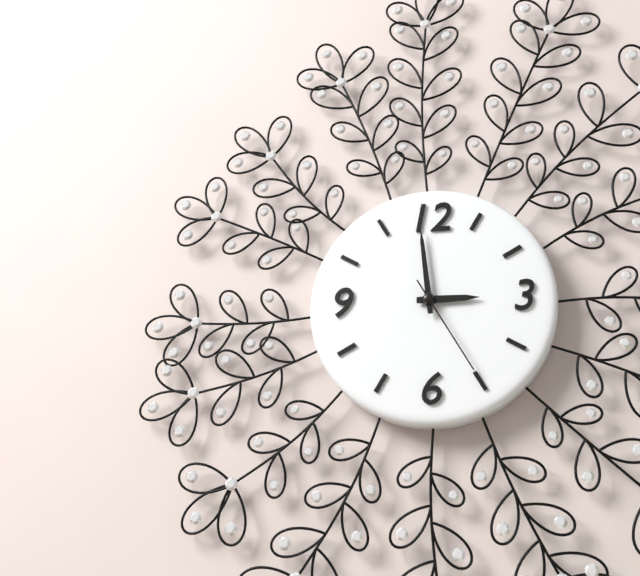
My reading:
h=2 m=59 s=25
